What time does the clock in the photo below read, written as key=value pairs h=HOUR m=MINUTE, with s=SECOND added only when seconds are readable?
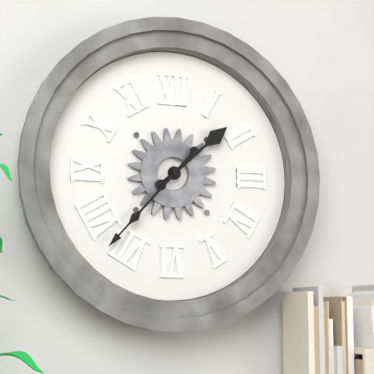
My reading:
h=1 m=37
